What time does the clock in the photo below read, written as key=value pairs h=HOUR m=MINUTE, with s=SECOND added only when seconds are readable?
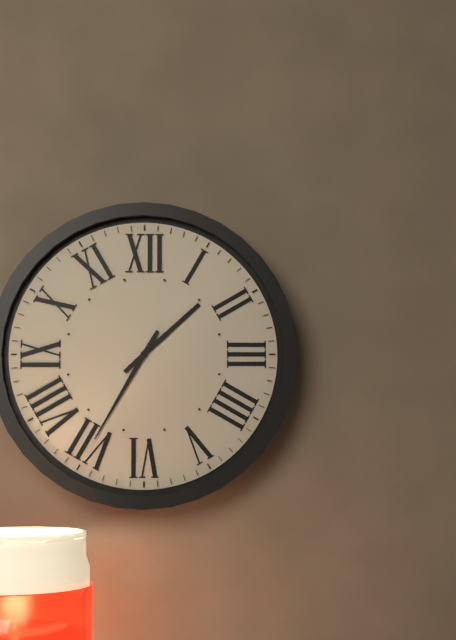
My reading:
h=1 m=35
